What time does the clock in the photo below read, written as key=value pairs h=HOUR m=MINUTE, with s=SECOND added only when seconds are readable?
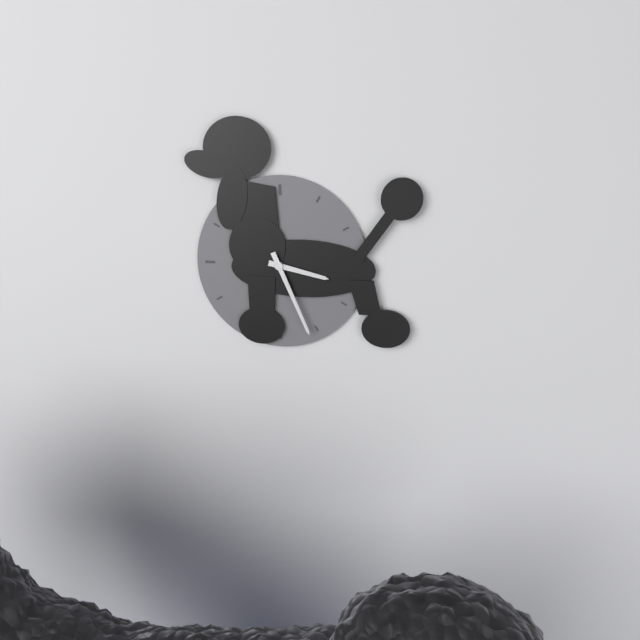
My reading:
h=3 m=26
